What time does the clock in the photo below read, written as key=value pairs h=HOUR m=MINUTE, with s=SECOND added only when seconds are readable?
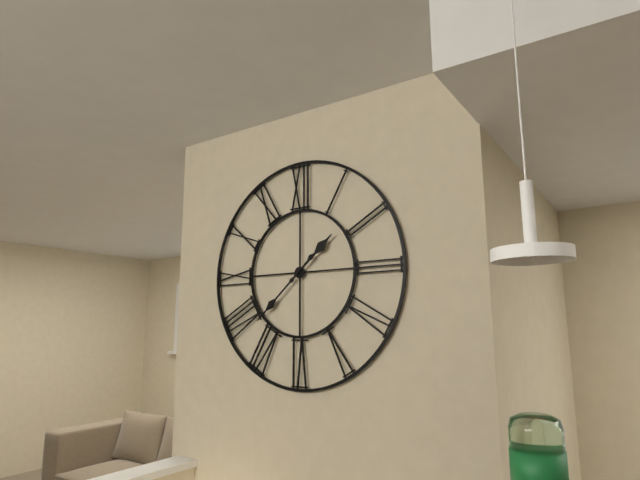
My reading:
h=1 m=38
